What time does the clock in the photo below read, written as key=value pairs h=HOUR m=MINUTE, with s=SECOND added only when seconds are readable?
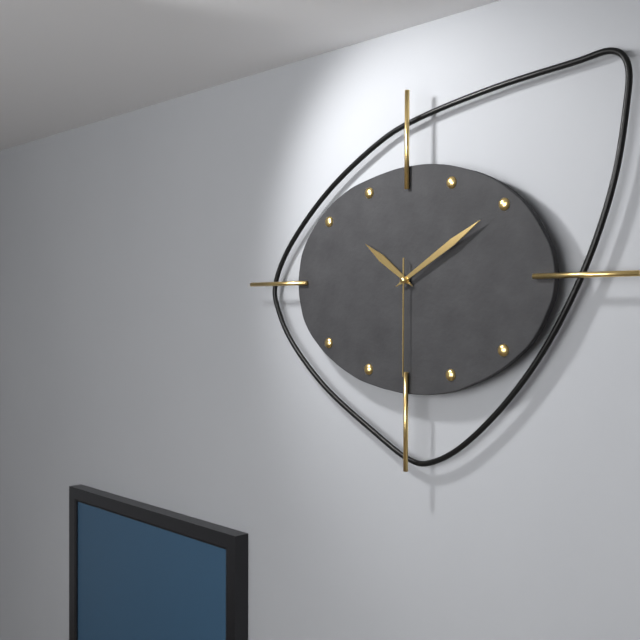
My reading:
h=10 m=10 s=30
